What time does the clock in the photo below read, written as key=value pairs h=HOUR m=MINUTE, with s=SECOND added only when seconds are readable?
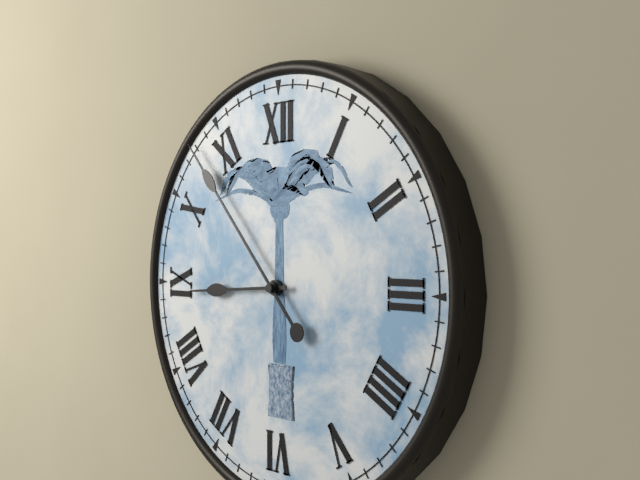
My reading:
h=8 m=53
